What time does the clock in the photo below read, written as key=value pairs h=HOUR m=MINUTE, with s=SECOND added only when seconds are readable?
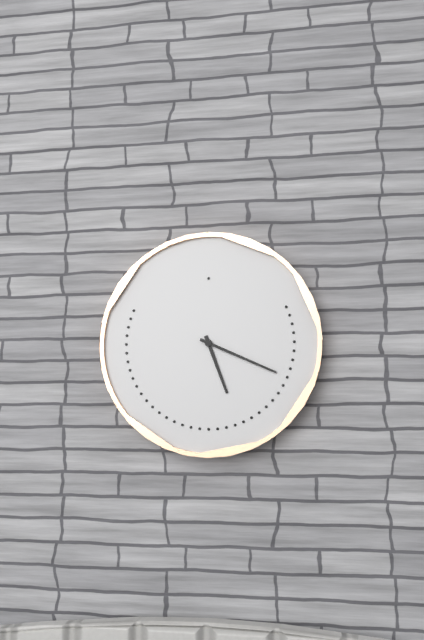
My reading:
h=5 m=19
